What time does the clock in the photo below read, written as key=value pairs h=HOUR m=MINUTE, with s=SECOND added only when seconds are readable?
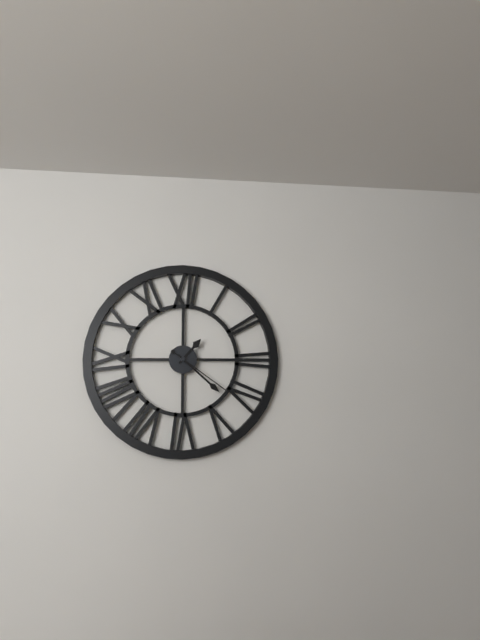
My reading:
h=1 m=22 s=21
